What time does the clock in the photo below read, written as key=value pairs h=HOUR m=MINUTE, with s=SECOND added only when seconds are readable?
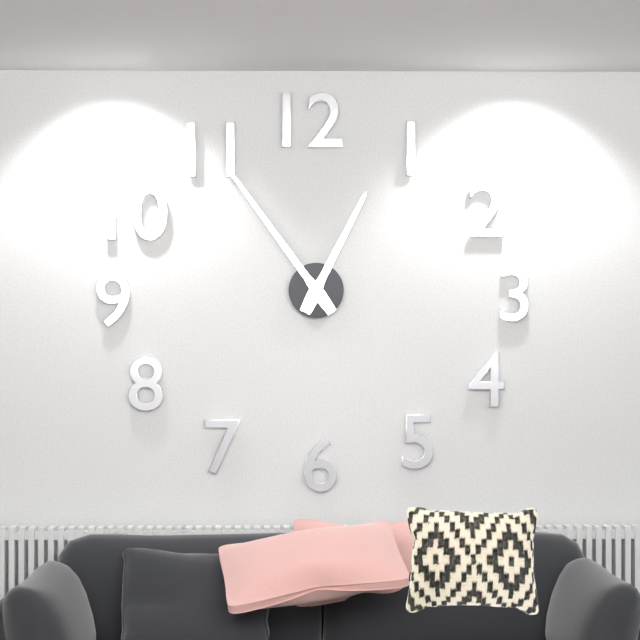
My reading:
h=12 m=54
